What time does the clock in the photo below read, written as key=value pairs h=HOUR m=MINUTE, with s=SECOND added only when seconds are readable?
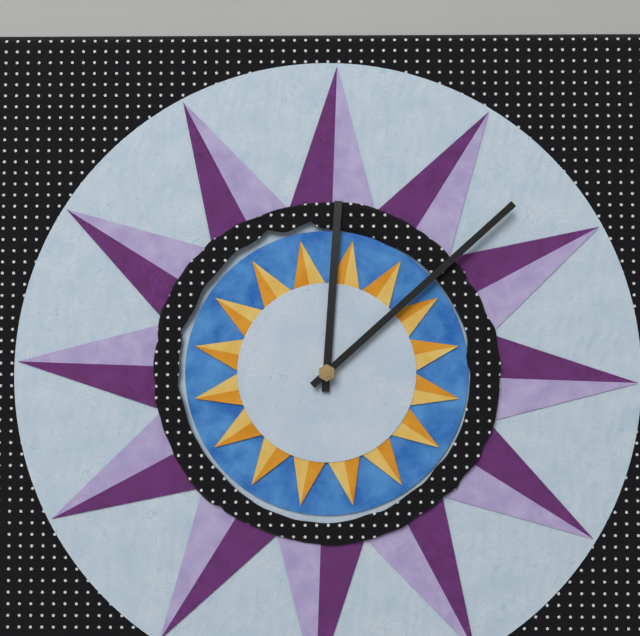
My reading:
h=12 m=8
